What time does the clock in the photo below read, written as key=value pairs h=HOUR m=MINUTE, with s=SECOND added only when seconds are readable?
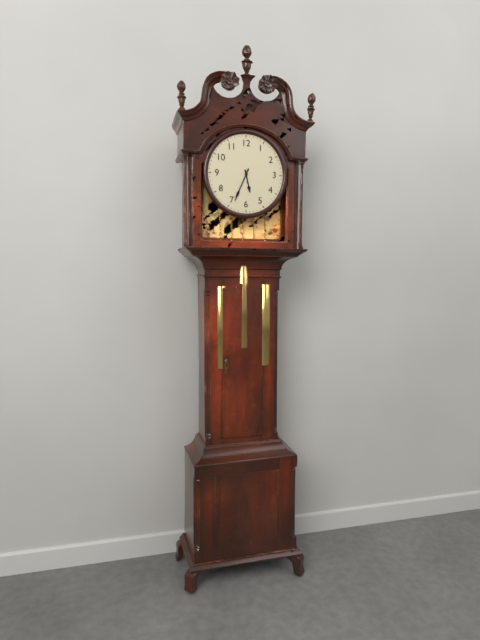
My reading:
h=5 m=34
